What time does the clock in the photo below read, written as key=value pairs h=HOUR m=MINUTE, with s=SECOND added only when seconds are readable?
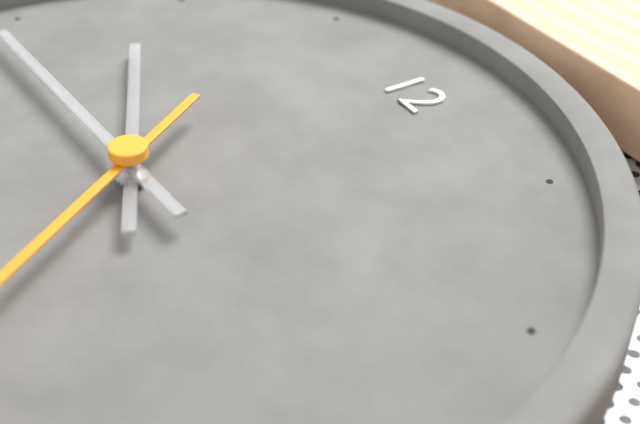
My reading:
h=9 m=44
